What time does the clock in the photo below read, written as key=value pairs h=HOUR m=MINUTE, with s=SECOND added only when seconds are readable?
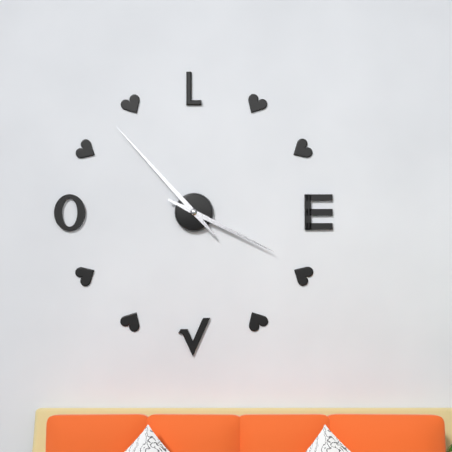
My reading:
h=3 m=53
